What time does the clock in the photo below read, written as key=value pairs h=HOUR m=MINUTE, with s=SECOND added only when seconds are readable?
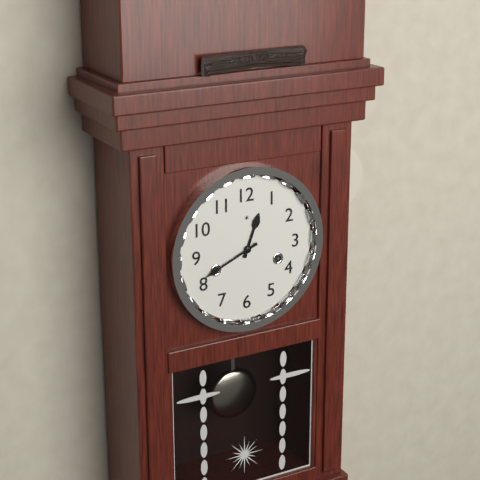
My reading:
h=12 m=41
